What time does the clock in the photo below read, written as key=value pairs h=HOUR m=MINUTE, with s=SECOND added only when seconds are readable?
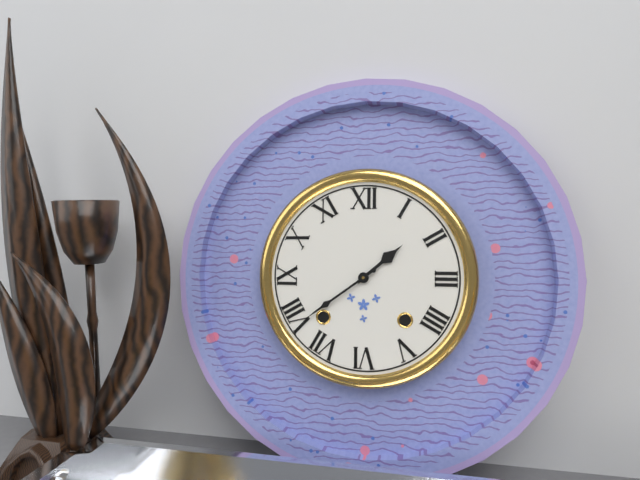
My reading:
h=1 m=39
